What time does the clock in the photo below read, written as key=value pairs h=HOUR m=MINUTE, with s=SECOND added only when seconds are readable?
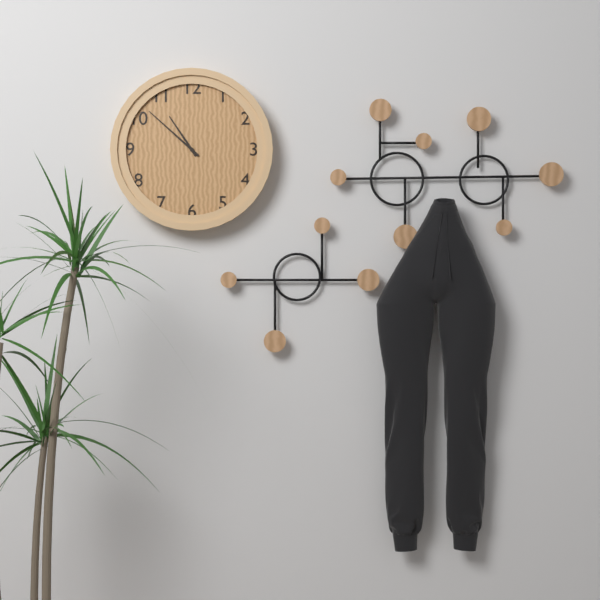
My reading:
h=10 m=52
